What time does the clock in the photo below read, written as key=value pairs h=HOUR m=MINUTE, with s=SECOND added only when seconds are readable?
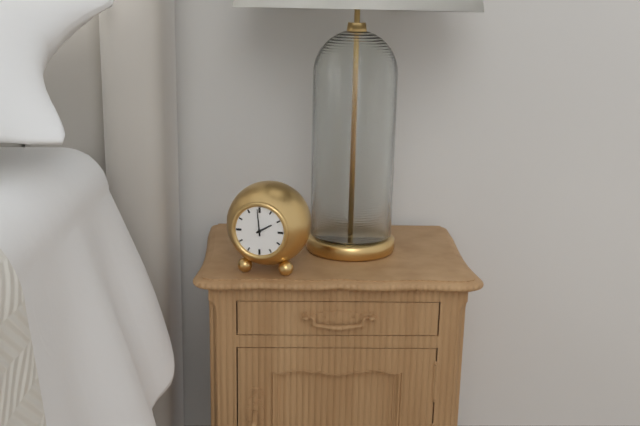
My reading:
h=1 m=59
